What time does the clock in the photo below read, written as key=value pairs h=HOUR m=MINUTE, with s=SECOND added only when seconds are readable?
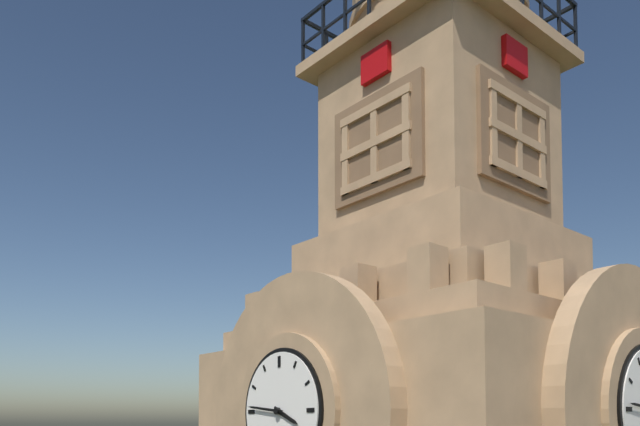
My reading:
h=3 m=46
